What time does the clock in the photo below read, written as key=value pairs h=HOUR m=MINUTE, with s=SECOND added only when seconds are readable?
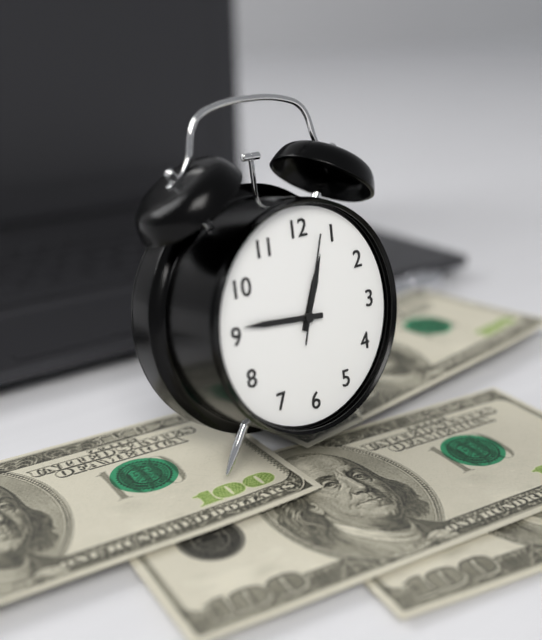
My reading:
h=12 m=46 s=3
